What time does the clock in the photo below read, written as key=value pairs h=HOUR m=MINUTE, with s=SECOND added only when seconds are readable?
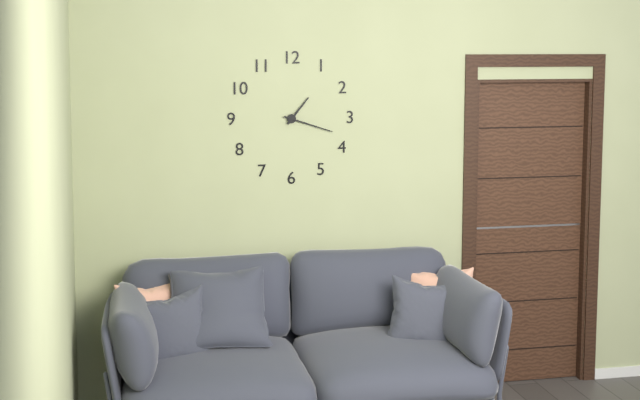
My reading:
h=1 m=18
